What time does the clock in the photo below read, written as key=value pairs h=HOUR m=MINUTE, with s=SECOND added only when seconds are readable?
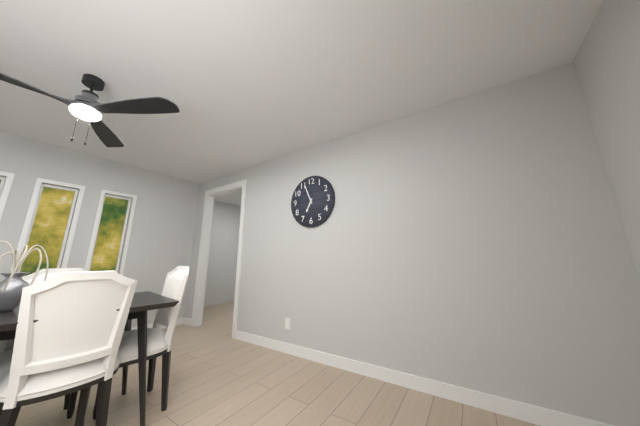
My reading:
h=6 m=56
